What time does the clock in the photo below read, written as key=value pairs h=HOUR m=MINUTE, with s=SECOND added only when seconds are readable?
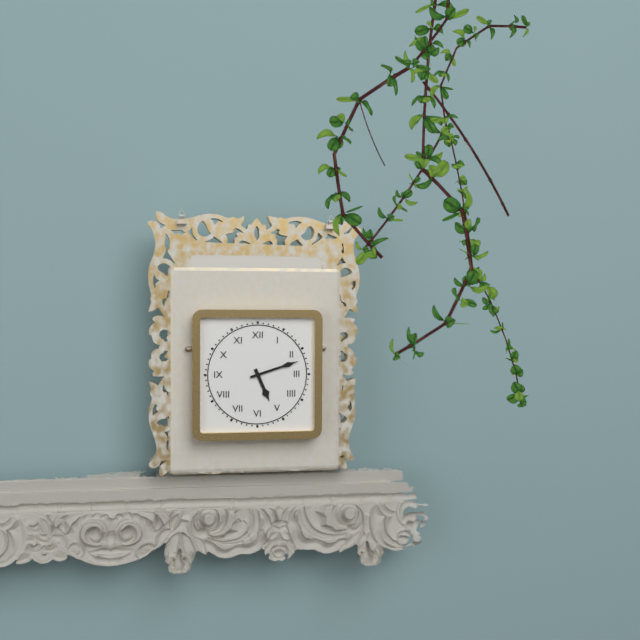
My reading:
h=5 m=12
